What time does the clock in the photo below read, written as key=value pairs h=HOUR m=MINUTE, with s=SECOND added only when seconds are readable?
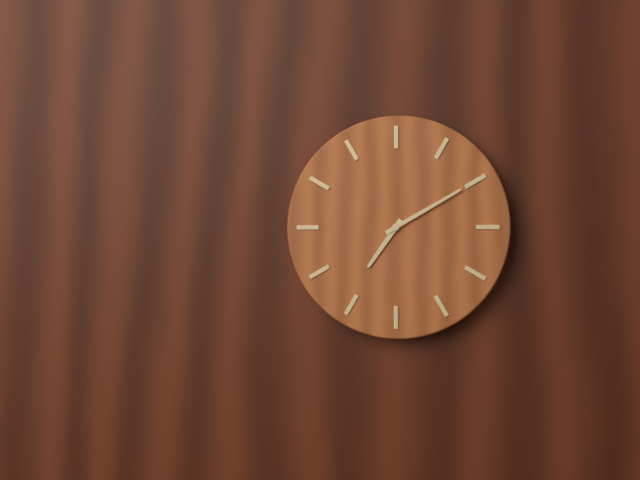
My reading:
h=7 m=10
